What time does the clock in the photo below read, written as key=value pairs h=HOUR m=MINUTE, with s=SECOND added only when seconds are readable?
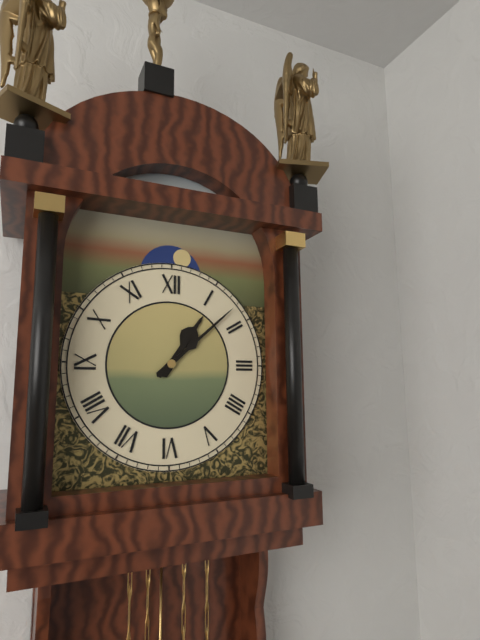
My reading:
h=1 m=8
